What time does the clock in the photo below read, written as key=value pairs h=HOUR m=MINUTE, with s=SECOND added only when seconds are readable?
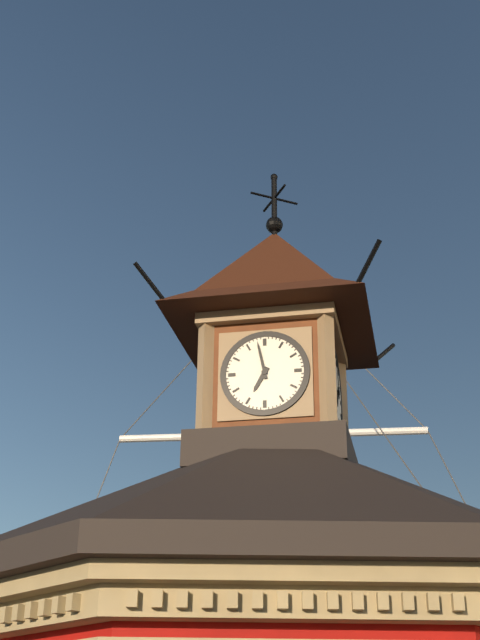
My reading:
h=6 m=58
